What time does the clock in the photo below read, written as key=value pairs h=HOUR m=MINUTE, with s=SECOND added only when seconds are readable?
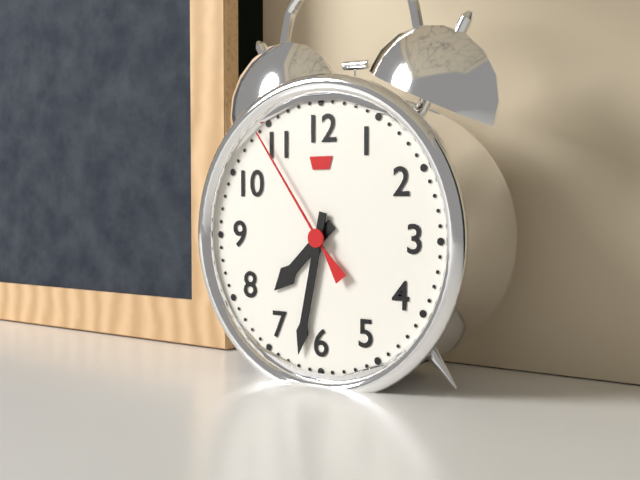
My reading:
h=7 m=32 s=54
